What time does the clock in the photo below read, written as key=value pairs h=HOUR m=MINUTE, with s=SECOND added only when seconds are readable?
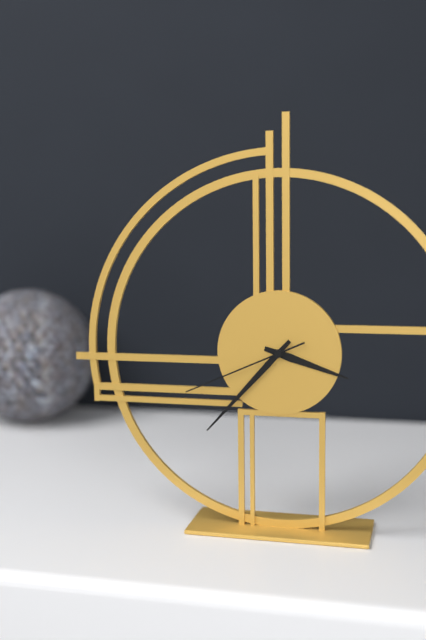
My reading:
h=3 m=37 s=41
